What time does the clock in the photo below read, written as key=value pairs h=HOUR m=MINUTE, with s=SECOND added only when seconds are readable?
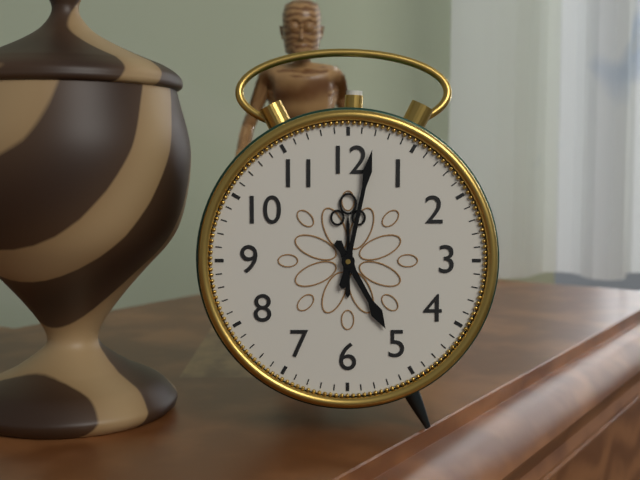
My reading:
h=5 m=2
